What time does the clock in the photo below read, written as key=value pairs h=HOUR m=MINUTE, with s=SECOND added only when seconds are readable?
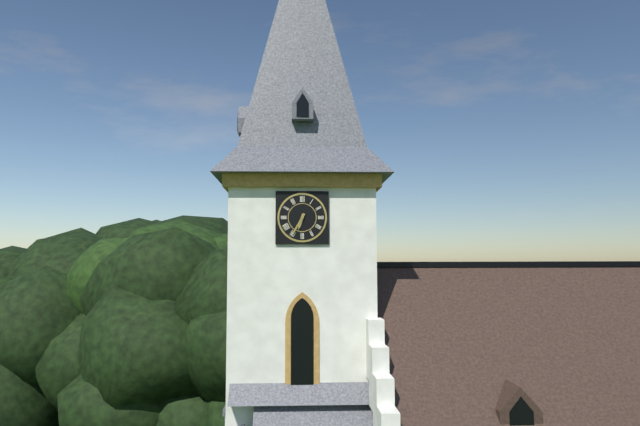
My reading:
h=6 m=35
